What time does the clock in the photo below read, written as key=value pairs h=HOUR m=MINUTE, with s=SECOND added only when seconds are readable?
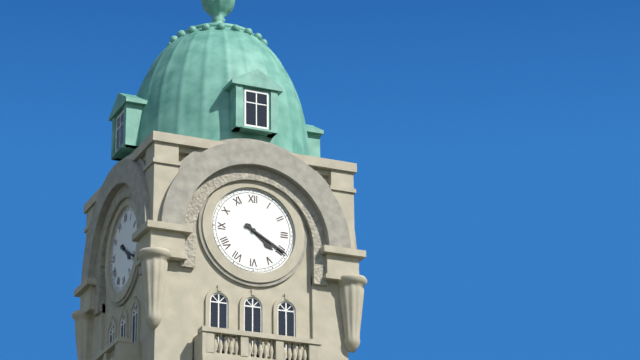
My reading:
h=4 m=20
